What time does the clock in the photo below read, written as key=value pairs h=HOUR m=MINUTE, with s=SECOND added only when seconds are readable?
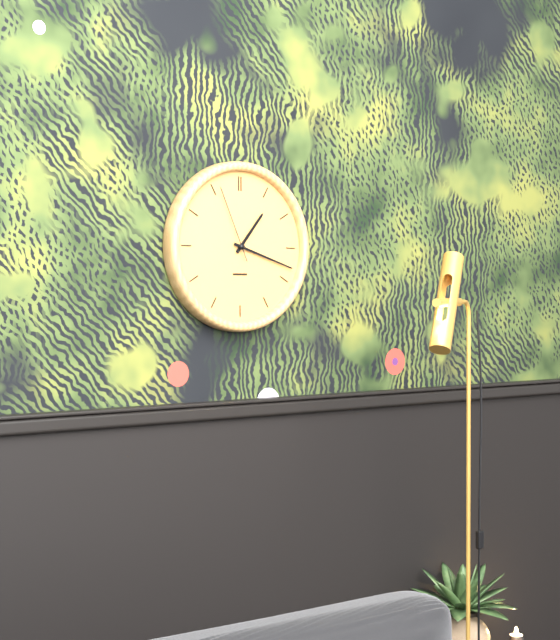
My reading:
h=1 m=18 s=56
